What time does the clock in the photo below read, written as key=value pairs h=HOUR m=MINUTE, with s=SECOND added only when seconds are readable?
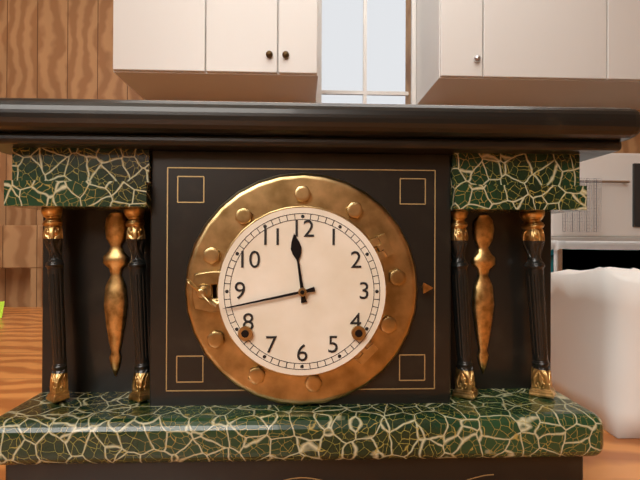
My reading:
h=11 m=43
